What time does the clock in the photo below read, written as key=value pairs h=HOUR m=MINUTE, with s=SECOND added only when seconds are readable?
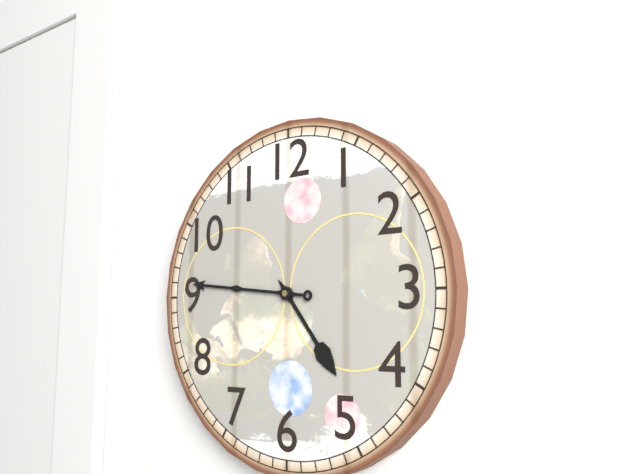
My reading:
h=4 m=46
